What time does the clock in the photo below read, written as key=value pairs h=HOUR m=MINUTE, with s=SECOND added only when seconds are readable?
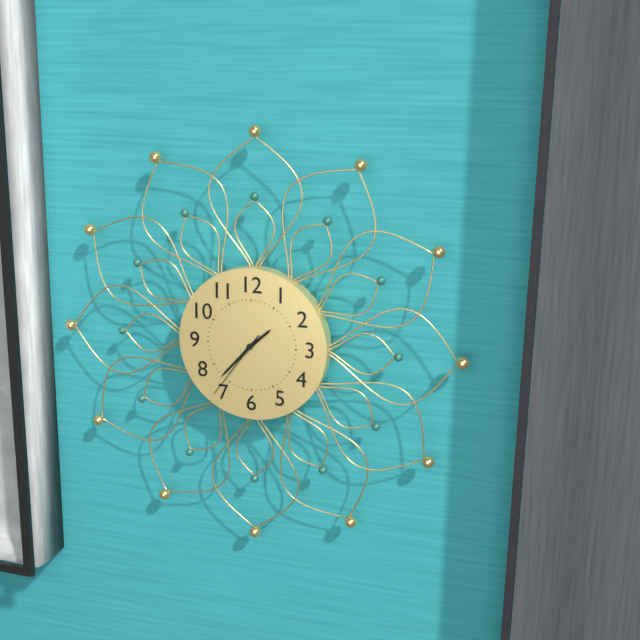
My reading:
h=1 m=37 s=36
